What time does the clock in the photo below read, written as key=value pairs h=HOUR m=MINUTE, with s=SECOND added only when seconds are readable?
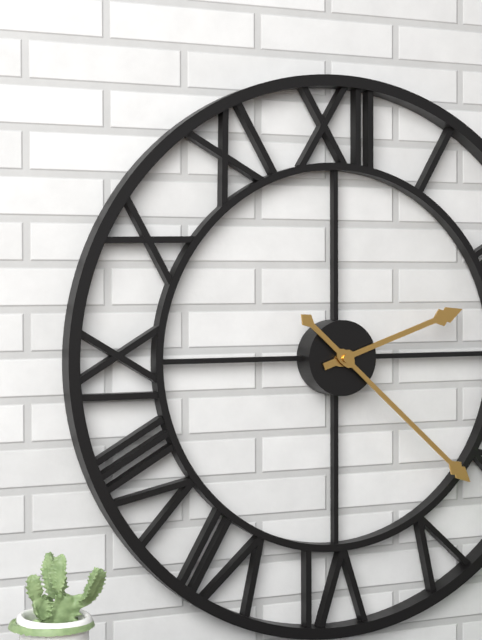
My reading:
h=2 m=22
